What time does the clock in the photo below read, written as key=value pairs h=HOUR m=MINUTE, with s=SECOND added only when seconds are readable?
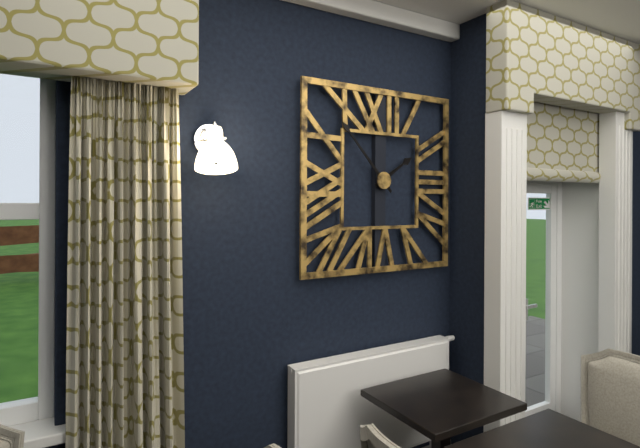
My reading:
h=1 m=53
